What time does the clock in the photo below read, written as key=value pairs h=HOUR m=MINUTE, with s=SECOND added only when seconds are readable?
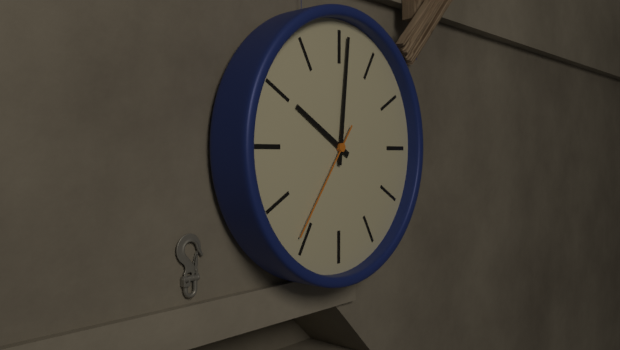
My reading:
h=10 m=1 s=36
